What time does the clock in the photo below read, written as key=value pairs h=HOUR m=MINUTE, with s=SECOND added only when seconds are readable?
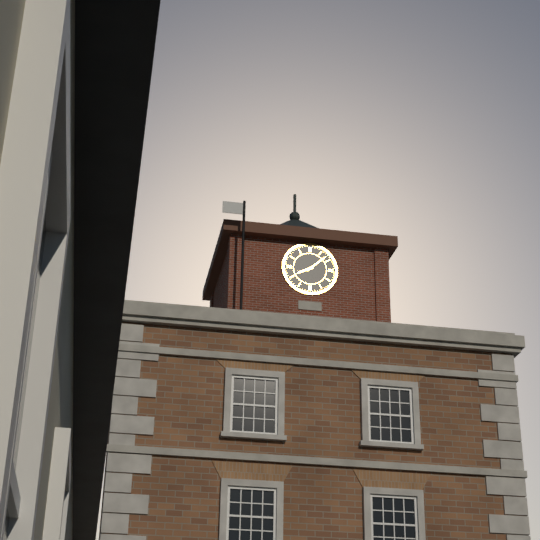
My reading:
h=8 m=8
